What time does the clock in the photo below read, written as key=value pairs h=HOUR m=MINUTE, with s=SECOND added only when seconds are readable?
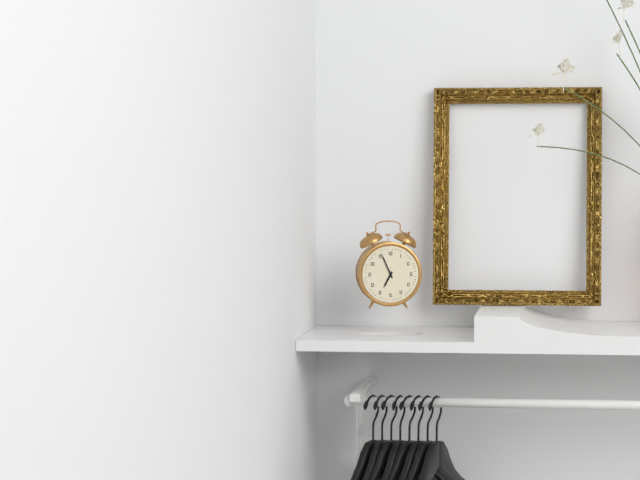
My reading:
h=6 m=56
